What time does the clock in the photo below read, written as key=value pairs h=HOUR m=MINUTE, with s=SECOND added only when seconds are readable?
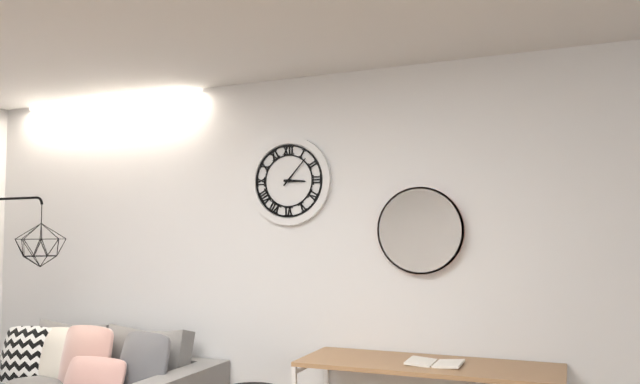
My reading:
h=3 m=7
